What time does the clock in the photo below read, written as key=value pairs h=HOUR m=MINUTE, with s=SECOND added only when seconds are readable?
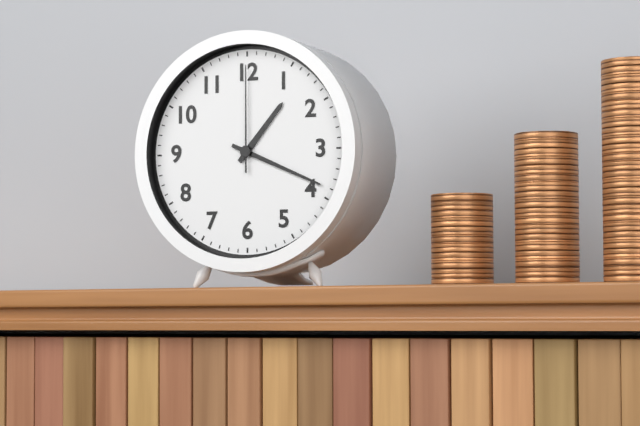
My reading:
h=1 m=19 s=0
